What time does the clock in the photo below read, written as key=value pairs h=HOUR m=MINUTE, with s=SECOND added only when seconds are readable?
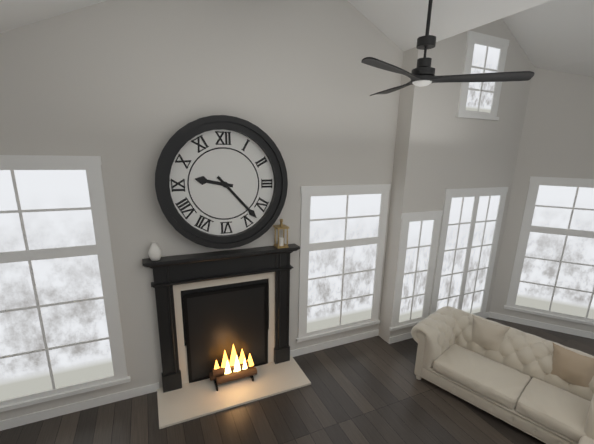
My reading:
h=9 m=23
